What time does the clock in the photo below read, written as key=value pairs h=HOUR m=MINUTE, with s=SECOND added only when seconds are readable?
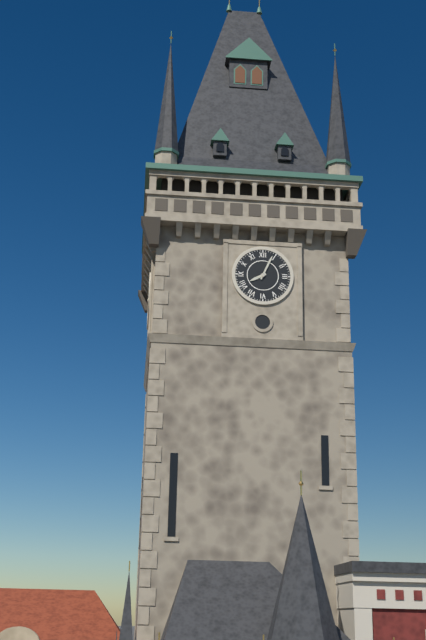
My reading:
h=8 m=4
